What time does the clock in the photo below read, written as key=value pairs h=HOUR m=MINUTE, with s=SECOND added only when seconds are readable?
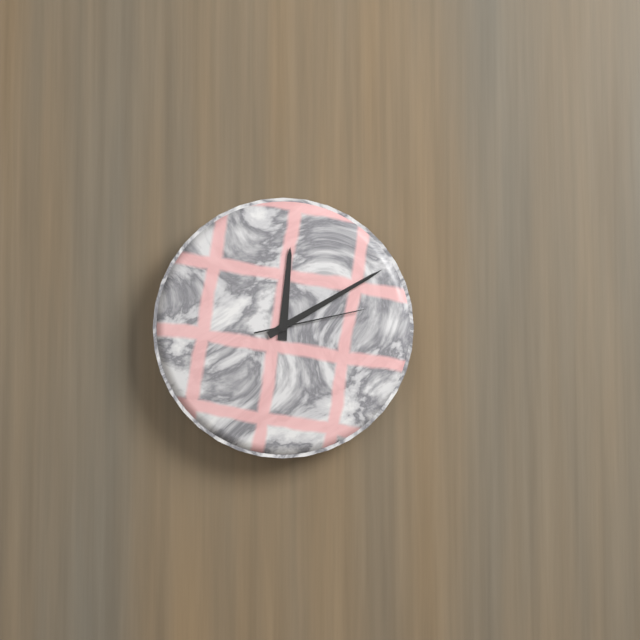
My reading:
h=12 m=10 s=13
